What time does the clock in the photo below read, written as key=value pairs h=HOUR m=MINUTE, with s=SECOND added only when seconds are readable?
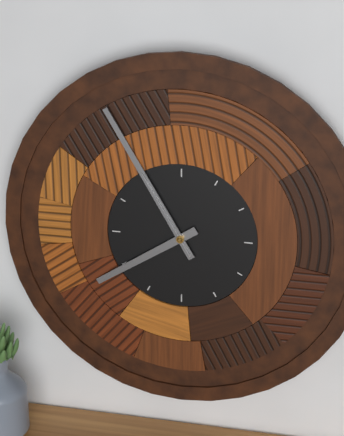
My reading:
h=7 m=55 s=55
